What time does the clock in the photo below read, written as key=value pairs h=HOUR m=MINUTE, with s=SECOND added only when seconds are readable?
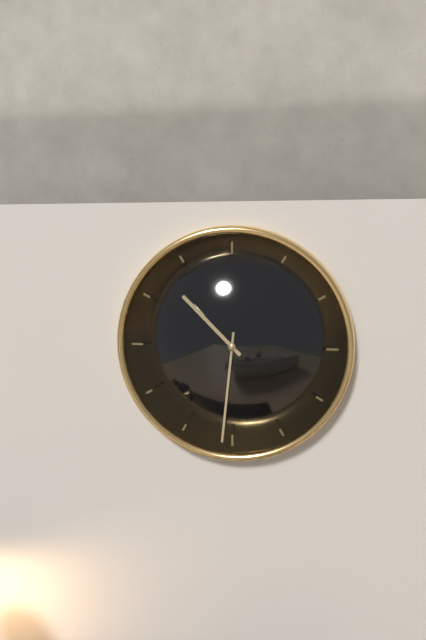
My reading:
h=10 m=31
